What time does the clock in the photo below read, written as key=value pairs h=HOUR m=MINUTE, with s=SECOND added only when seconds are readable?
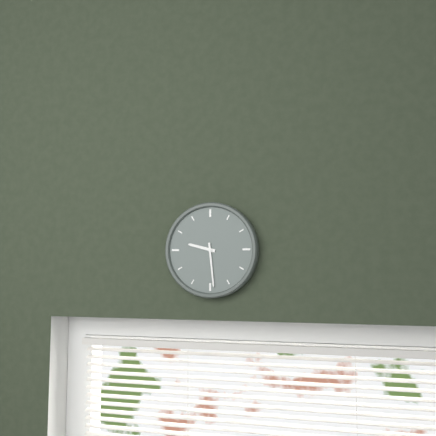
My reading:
h=9 m=29
